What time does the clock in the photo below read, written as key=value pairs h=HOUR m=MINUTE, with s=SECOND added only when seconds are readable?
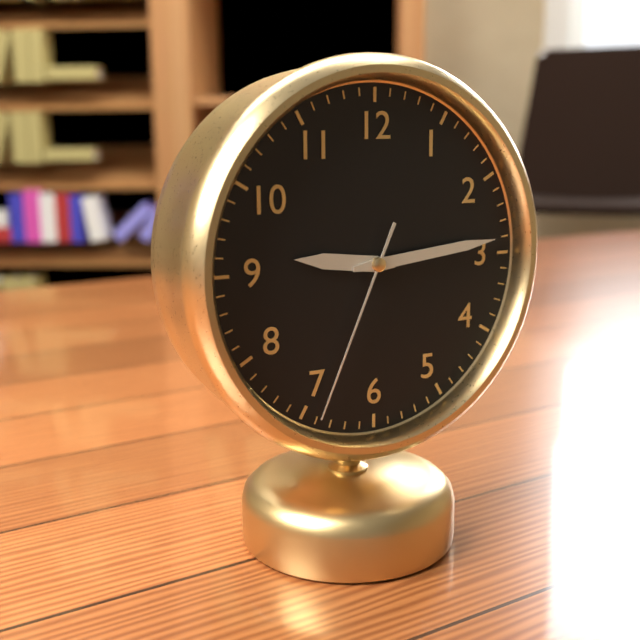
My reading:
h=9 m=14 s=34
